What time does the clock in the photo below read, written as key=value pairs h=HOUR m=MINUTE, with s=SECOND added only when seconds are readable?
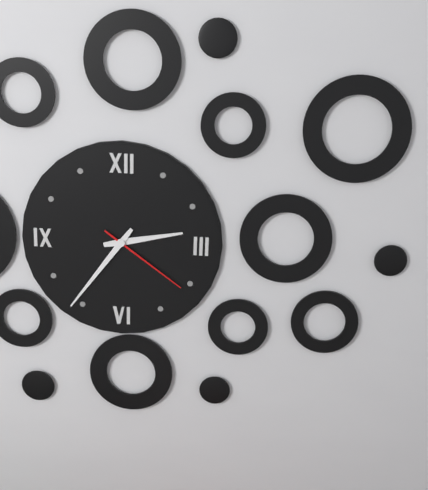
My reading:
h=2 m=36 s=21
